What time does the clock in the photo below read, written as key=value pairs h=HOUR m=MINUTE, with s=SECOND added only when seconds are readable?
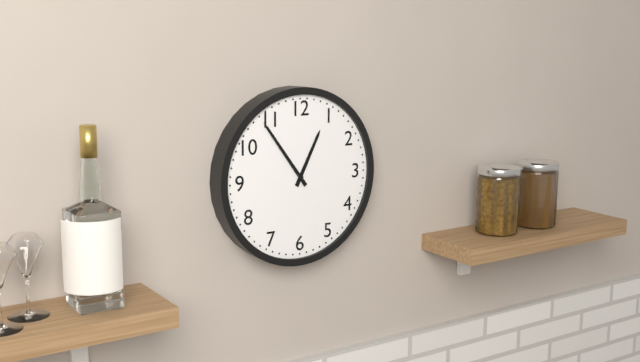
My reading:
h=12 m=54
